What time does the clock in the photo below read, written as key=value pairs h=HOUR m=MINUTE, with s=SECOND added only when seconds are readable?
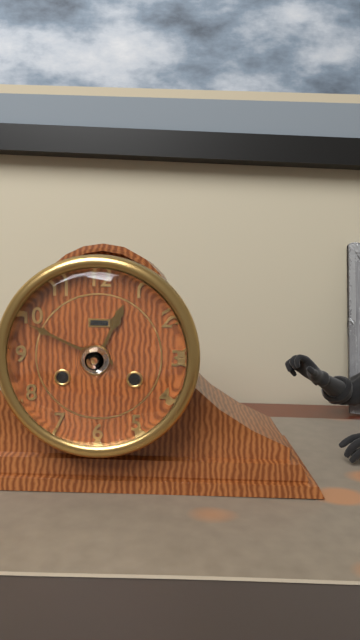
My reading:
h=12 m=49
